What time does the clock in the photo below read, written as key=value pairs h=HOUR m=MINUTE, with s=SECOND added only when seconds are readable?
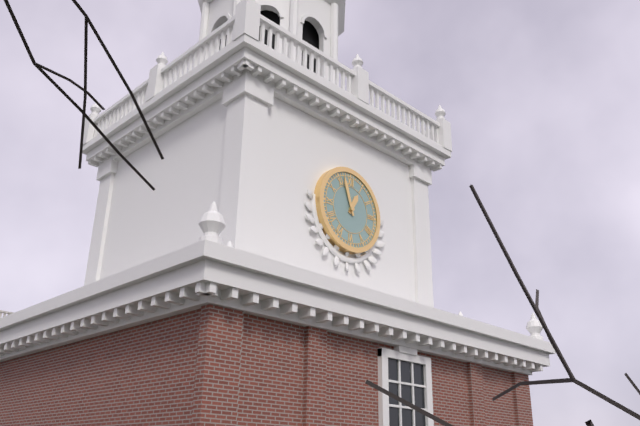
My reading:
h=12 m=57
